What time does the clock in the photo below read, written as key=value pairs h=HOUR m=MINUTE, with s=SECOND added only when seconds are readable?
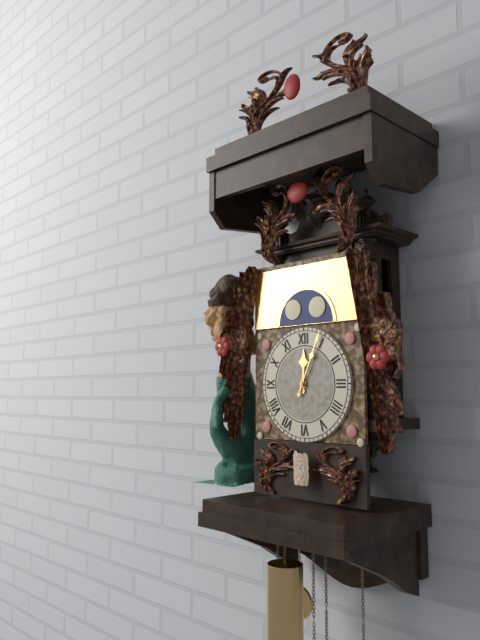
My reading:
h=12 m=4
